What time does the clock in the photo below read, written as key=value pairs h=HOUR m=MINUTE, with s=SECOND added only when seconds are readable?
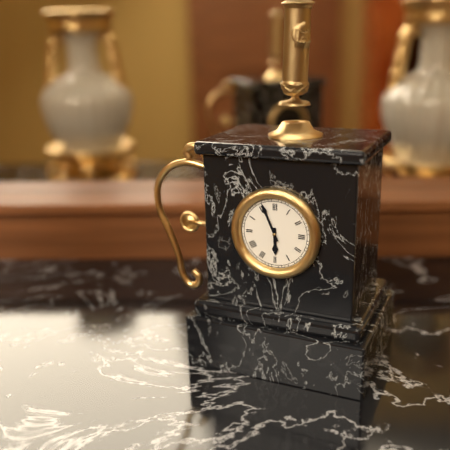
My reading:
h=5 m=56
